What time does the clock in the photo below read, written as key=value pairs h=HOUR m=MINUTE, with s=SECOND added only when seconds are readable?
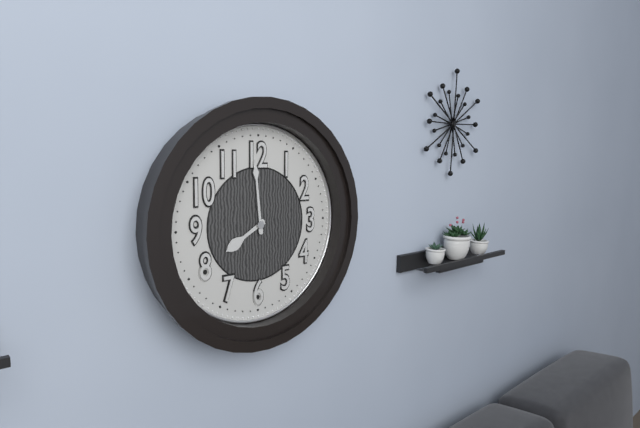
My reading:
h=7 m=59
